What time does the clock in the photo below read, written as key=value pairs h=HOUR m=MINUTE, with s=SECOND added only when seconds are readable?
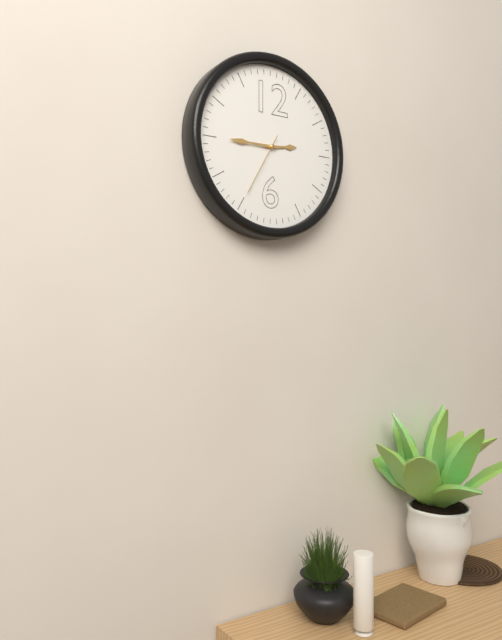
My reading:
h=2 m=45 s=35
